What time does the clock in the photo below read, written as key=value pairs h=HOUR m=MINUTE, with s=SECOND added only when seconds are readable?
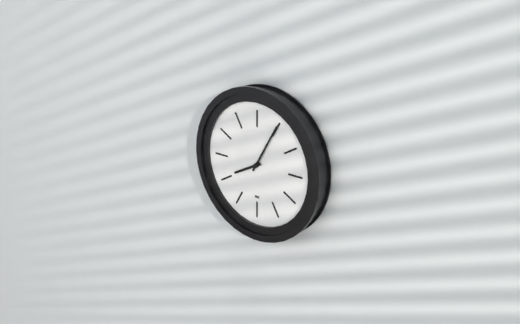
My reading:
h=8 m=5
